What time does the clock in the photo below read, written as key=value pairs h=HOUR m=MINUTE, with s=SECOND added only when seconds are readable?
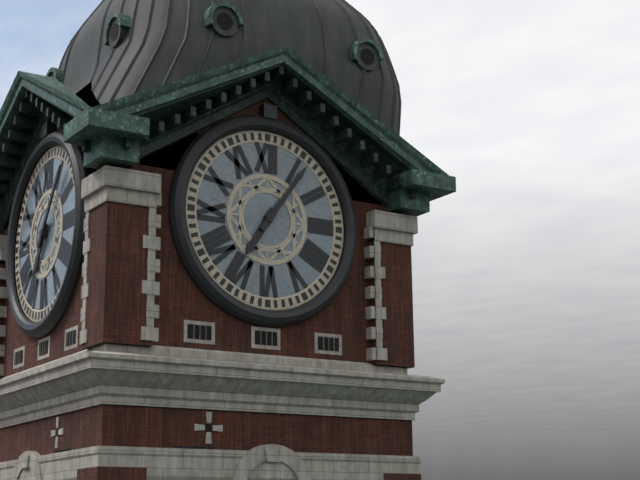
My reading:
h=7 m=6
